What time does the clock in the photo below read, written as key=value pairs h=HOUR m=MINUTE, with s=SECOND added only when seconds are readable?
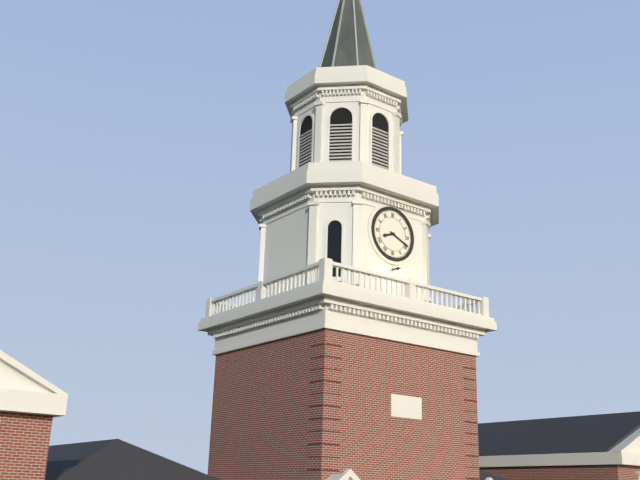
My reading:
h=8 m=19
